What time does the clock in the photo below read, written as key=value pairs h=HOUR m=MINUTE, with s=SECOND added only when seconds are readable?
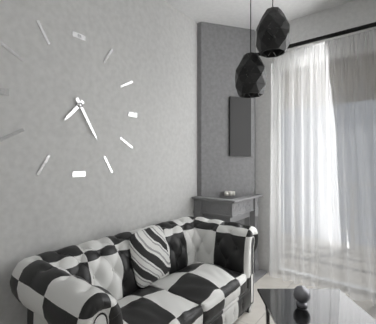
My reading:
h=7 m=25
